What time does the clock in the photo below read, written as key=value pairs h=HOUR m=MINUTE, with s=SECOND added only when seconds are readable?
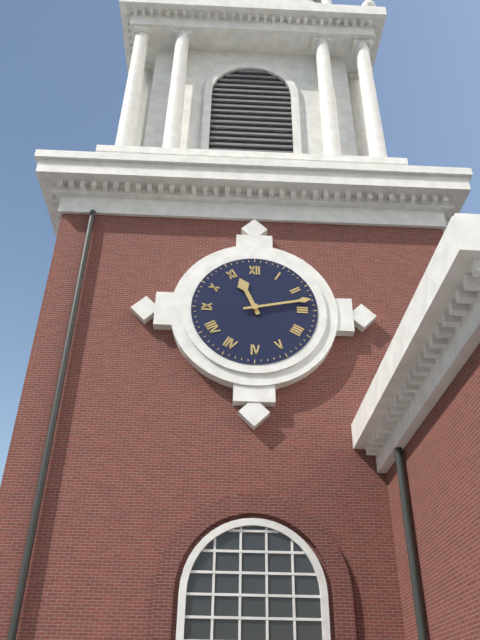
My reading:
h=11 m=13
